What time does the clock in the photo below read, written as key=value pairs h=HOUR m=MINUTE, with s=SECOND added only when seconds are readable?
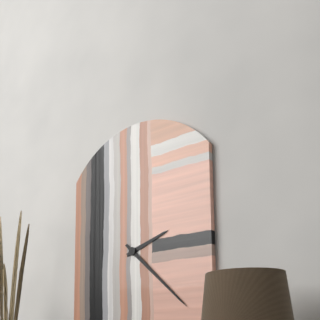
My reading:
h=2 m=22
